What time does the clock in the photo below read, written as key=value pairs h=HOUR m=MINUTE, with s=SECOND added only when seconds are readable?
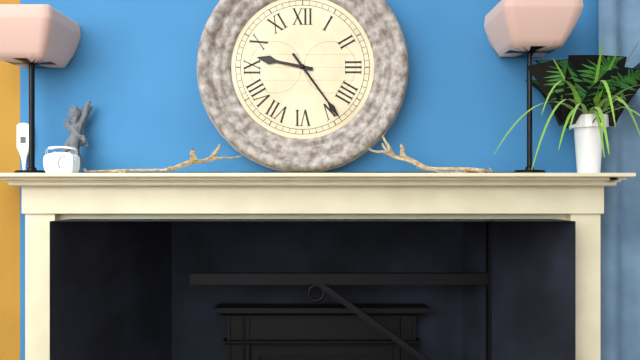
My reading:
h=9 m=24
